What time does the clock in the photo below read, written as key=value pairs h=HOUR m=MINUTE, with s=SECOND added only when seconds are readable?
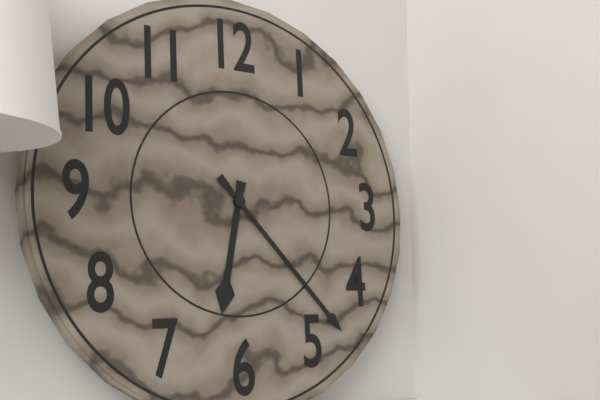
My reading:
h=6 m=23
